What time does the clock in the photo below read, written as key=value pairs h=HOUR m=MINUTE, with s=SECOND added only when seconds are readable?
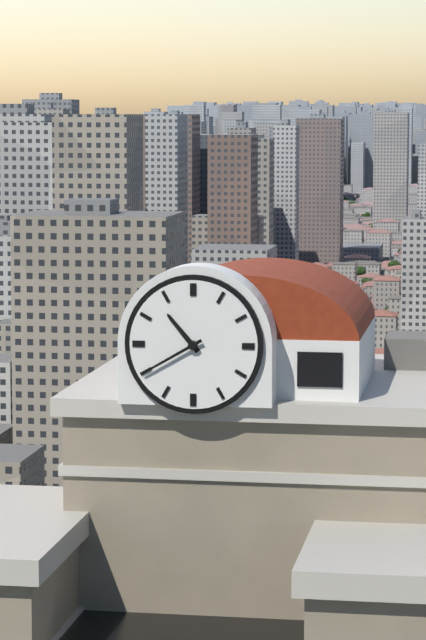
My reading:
h=10 m=40
